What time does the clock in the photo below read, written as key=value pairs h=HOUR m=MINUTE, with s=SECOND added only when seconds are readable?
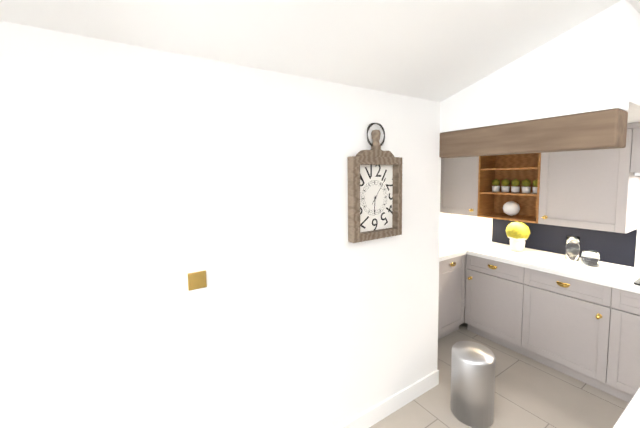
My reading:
h=6 m=6
